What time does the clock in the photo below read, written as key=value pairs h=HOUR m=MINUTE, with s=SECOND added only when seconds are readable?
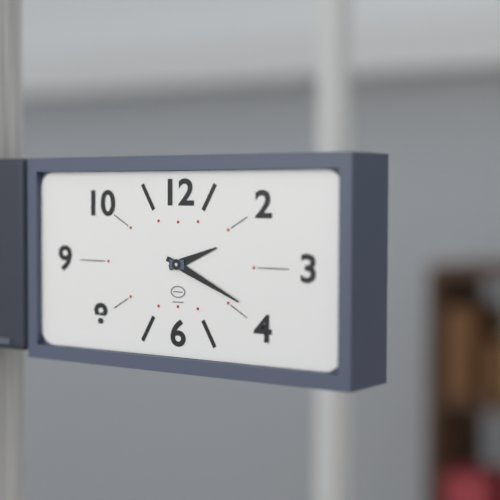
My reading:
h=2 m=19
